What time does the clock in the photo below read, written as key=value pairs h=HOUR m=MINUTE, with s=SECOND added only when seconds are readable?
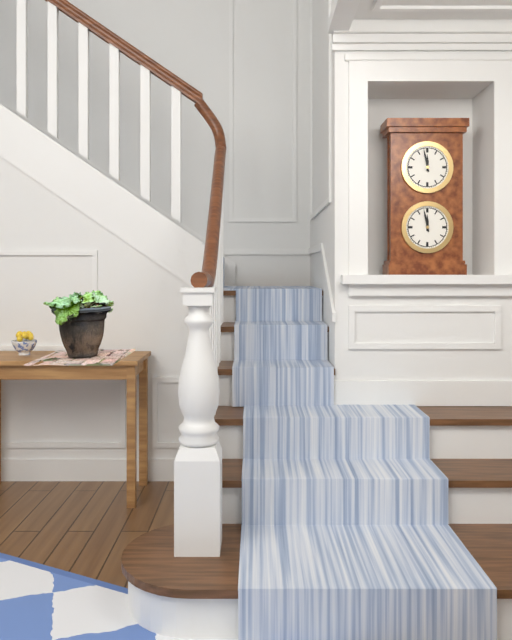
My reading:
h=11 m=58
